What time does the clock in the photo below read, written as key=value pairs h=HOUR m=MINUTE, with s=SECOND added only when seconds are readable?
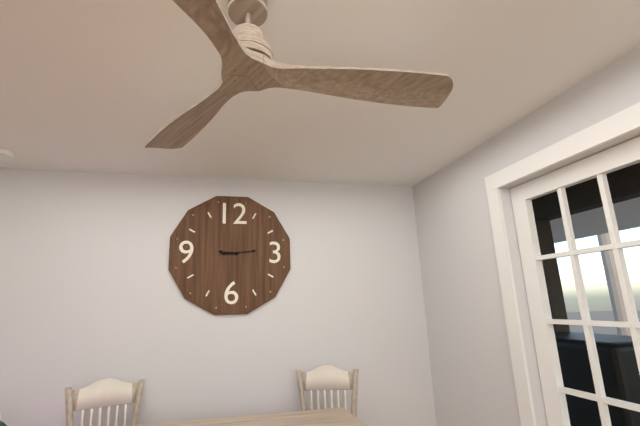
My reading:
h=9 m=14
